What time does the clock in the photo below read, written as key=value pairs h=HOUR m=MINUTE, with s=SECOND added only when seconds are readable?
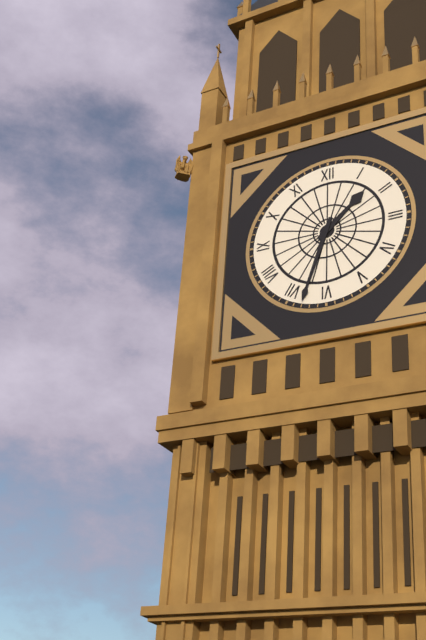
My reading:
h=1 m=33
